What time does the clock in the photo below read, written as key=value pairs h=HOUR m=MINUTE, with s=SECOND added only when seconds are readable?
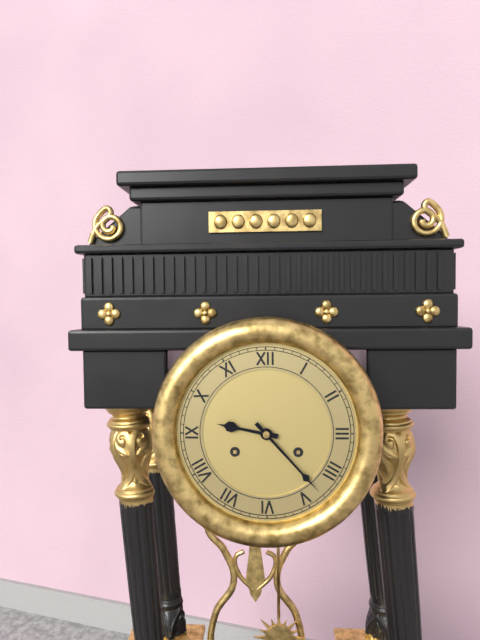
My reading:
h=9 m=23
